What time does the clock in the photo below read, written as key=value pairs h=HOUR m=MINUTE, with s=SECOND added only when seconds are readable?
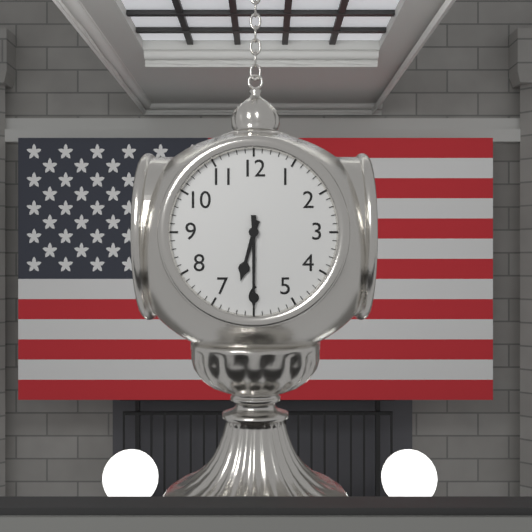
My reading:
h=6 m=30
